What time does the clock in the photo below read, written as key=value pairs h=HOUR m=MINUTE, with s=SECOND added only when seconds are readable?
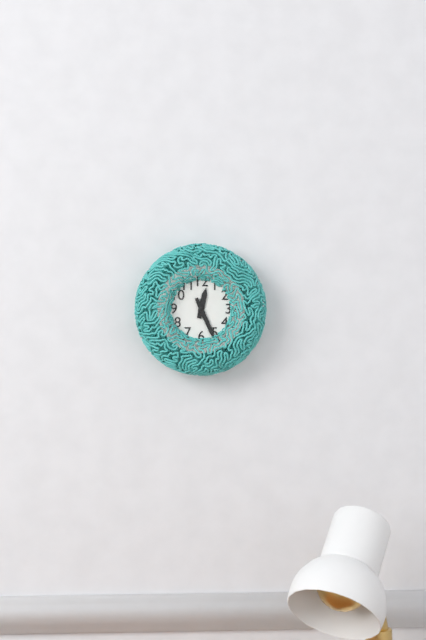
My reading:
h=12 m=26
